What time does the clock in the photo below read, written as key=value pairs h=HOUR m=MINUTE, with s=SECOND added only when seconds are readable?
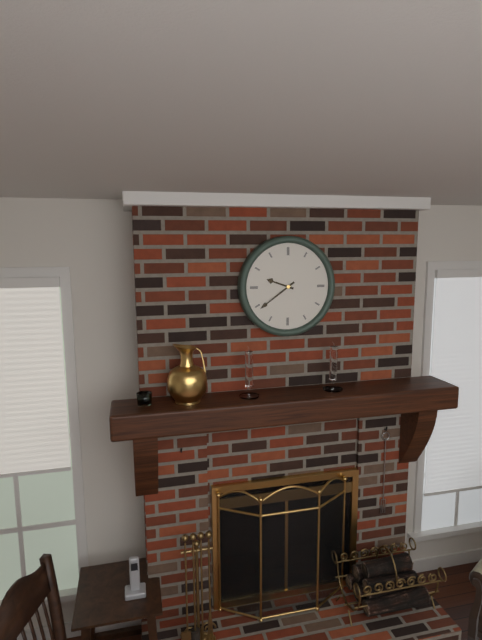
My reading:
h=9 m=39
